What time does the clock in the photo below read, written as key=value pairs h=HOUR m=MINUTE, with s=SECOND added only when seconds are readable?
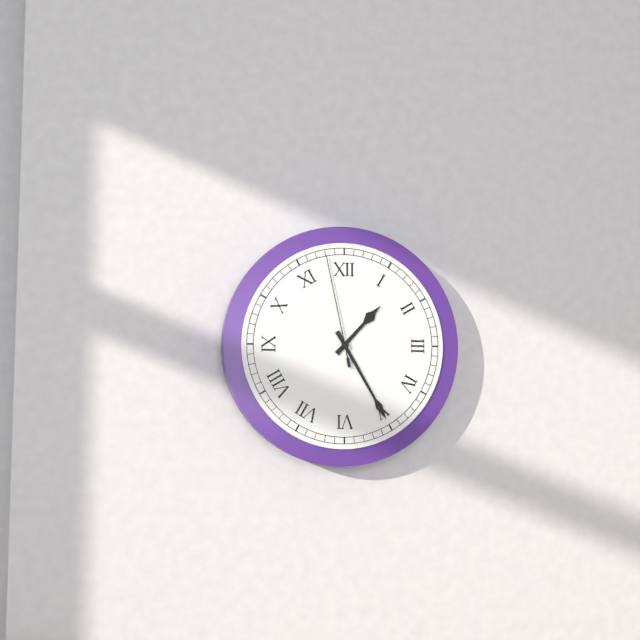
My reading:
h=1 m=25 s=58
